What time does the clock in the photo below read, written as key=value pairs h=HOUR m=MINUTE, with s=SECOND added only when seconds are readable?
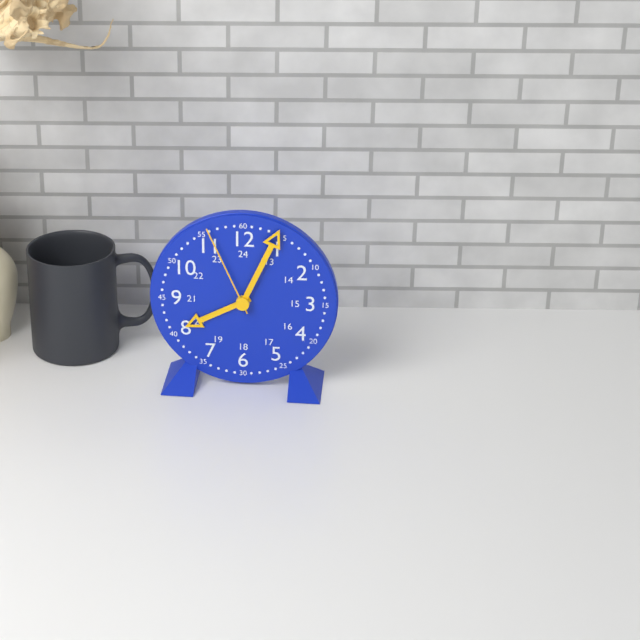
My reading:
h=8 m=4 s=56
